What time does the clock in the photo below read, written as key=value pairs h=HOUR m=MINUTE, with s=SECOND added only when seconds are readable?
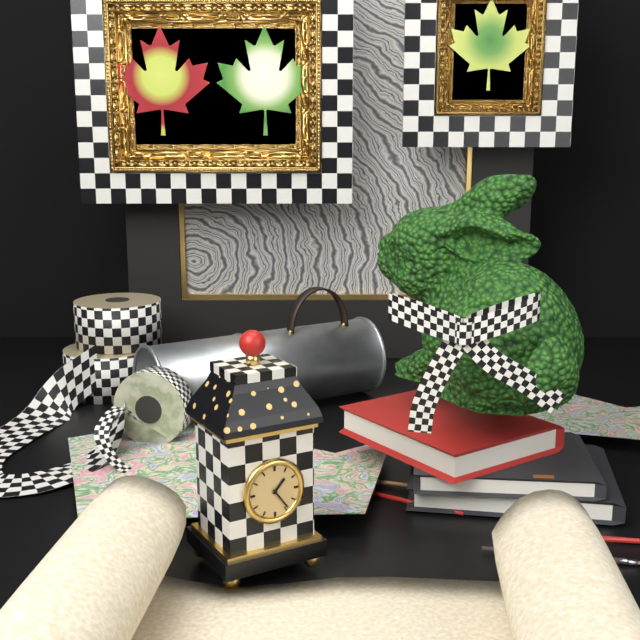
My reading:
h=1 m=24
